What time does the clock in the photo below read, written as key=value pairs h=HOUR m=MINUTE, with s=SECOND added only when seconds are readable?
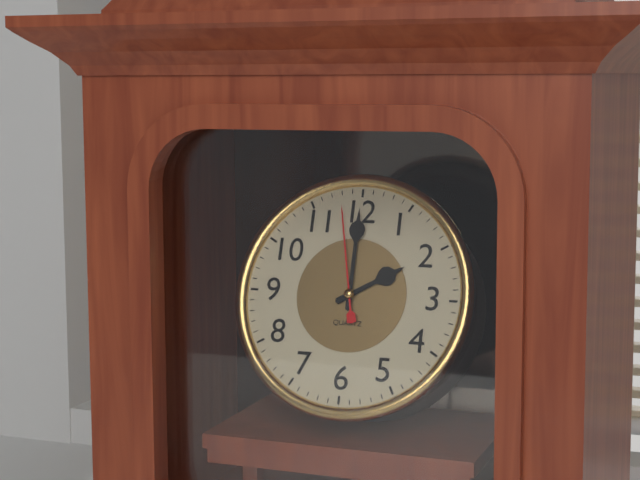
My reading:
h=2 m=0 s=58
